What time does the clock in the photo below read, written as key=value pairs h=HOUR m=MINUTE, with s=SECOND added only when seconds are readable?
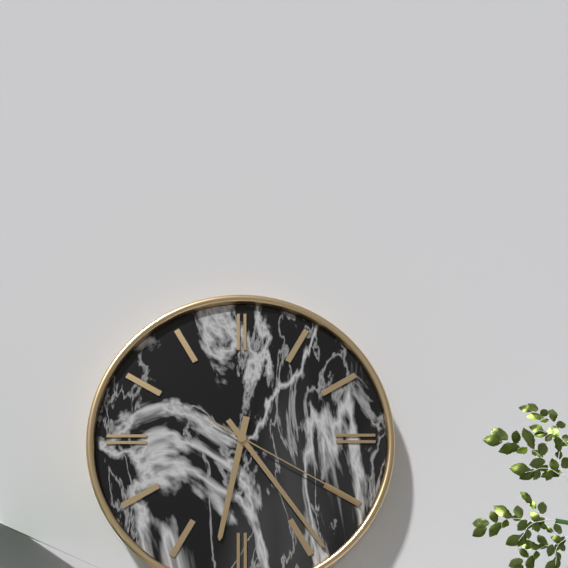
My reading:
h=6 m=24 s=20
